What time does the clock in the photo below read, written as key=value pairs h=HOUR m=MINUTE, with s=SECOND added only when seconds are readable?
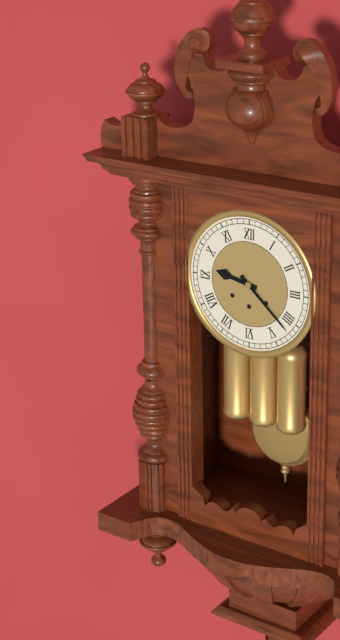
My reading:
h=9 m=22
